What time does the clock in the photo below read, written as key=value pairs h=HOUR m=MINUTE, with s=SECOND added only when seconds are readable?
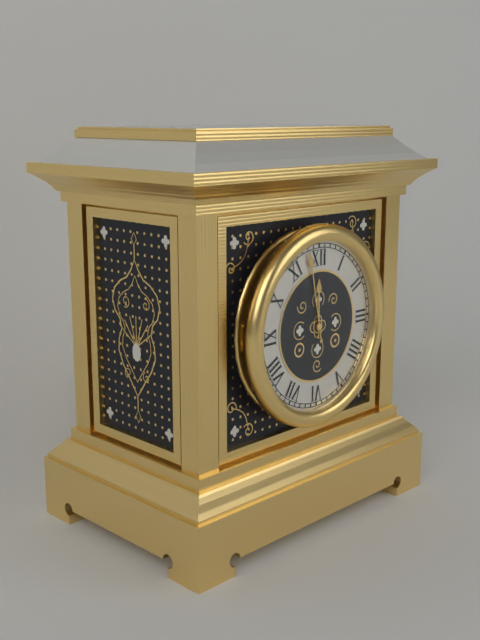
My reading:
h=11 m=58
